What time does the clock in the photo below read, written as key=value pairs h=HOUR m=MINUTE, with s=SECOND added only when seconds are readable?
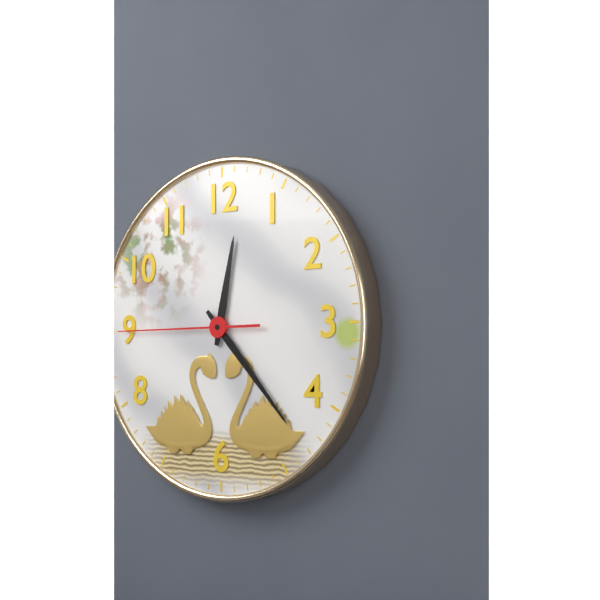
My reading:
h=12 m=23 s=45
